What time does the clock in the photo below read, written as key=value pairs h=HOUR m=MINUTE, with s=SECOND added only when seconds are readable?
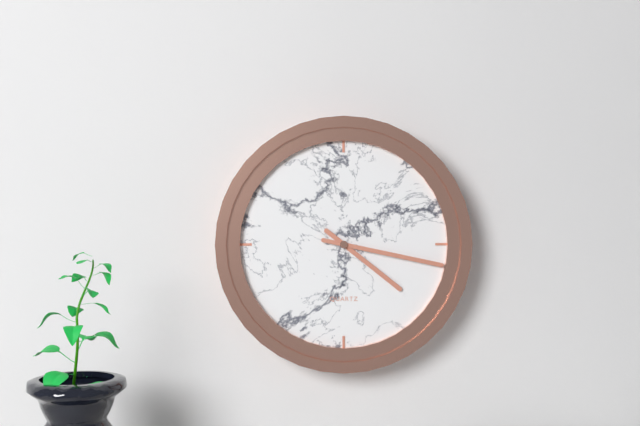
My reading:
h=4 m=17
